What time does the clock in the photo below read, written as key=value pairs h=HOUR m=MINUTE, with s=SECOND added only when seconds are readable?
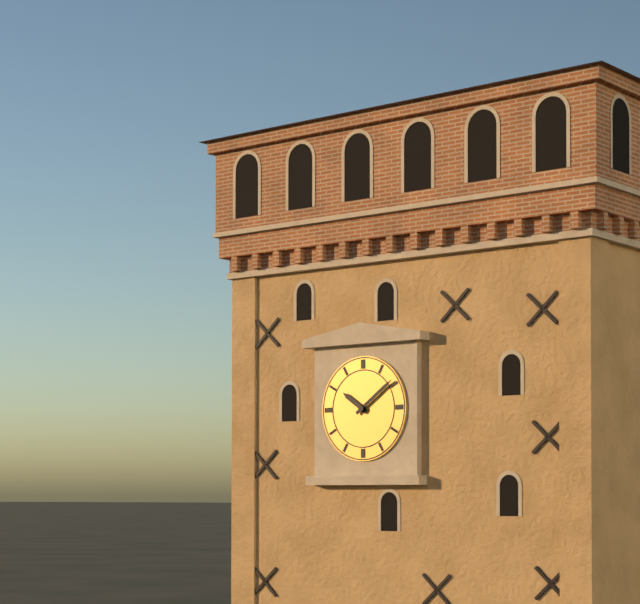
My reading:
h=10 m=9
